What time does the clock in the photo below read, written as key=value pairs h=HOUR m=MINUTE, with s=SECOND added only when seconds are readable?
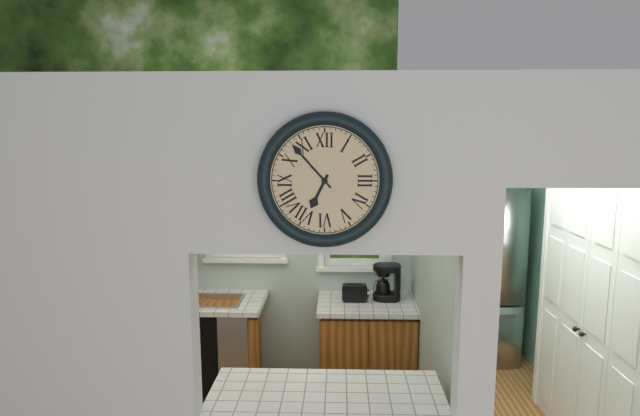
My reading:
h=6 m=53
